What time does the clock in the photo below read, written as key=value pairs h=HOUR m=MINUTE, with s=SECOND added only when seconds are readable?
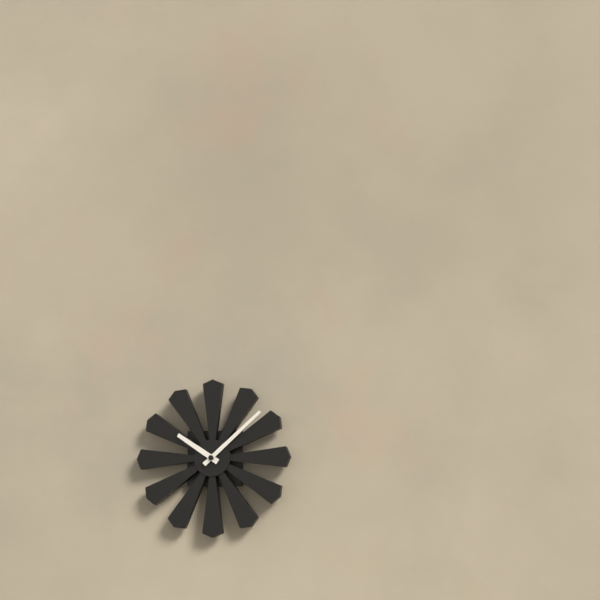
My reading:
h=10 m=8
